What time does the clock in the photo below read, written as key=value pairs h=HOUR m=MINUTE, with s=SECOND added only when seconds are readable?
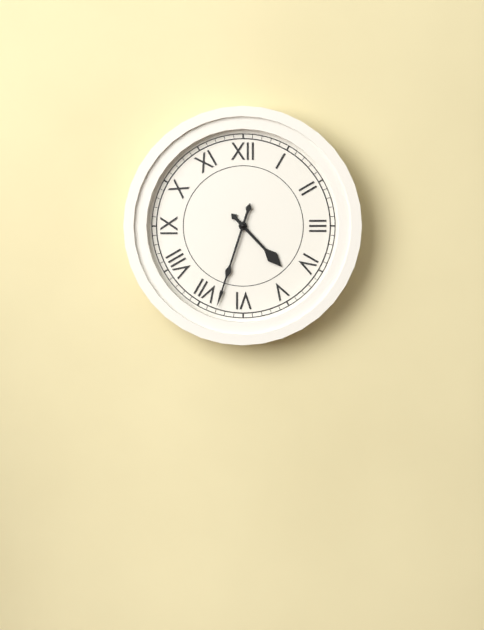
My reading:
h=4 m=33
